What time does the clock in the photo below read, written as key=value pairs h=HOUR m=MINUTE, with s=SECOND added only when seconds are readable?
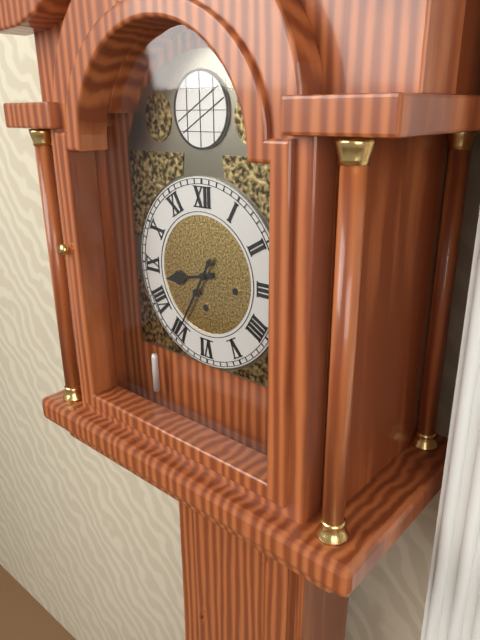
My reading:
h=8 m=35
